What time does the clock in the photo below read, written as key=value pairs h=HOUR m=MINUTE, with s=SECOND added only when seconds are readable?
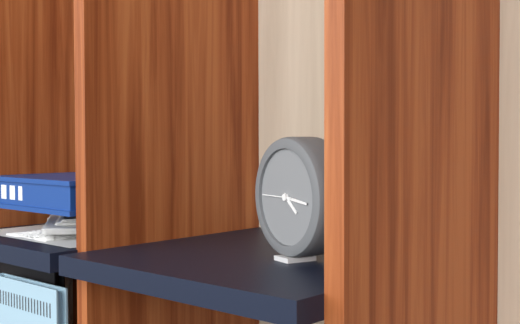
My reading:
h=4 m=16
